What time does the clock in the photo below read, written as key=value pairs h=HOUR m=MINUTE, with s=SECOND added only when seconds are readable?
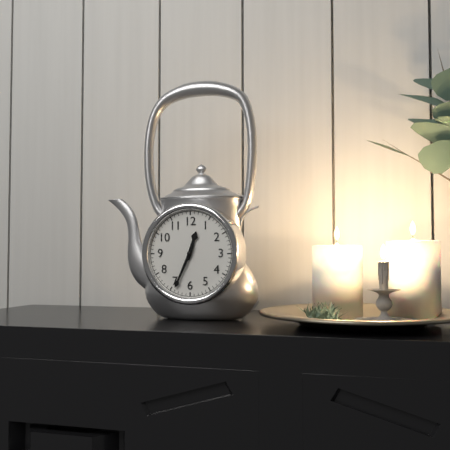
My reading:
h=12 m=34
